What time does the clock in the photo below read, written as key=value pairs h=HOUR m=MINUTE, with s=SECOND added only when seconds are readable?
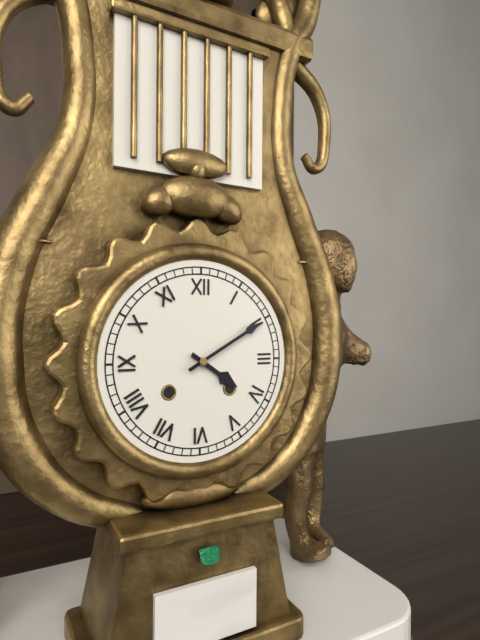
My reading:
h=4 m=10
